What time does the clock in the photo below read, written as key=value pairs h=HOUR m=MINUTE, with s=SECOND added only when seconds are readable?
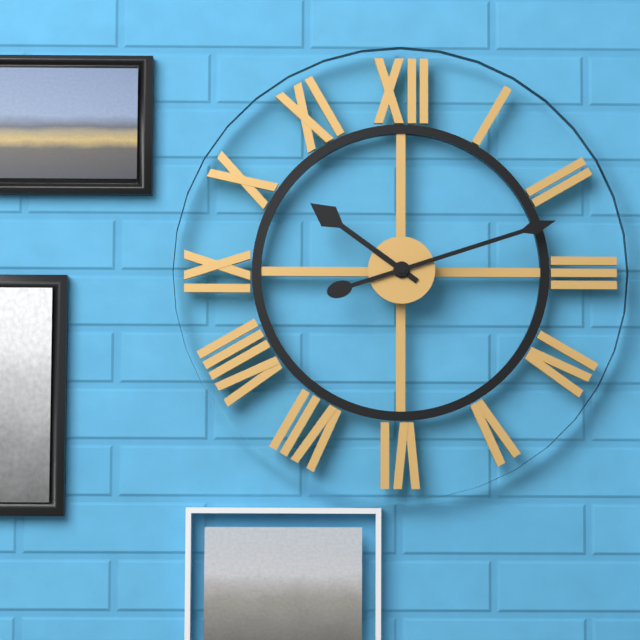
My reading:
h=10 m=12
